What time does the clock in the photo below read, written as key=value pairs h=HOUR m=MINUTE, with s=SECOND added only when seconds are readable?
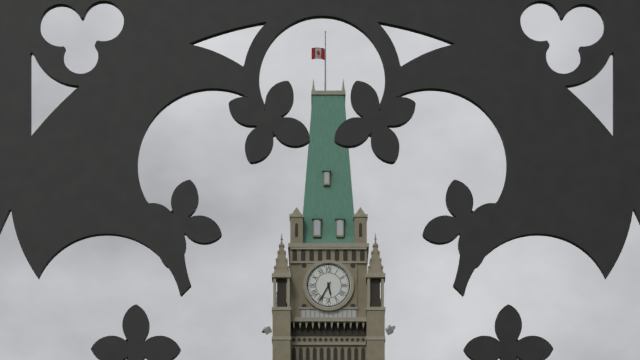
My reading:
h=5 m=35
